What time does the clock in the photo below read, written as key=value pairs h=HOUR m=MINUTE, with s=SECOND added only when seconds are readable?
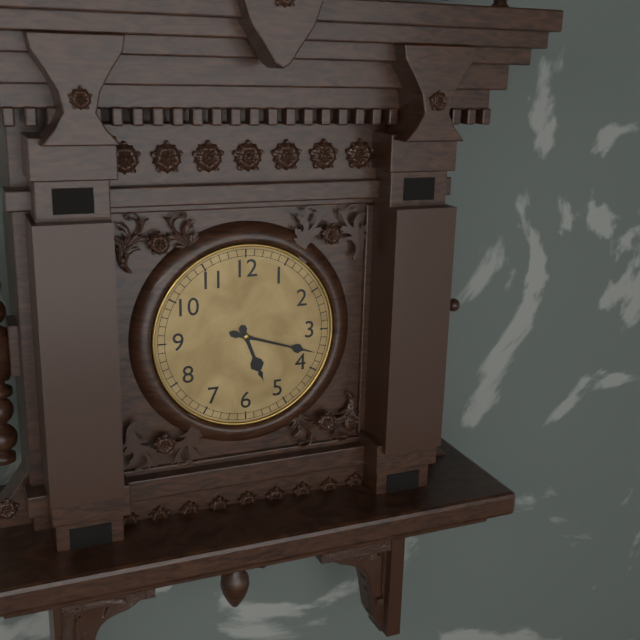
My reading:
h=5 m=18
